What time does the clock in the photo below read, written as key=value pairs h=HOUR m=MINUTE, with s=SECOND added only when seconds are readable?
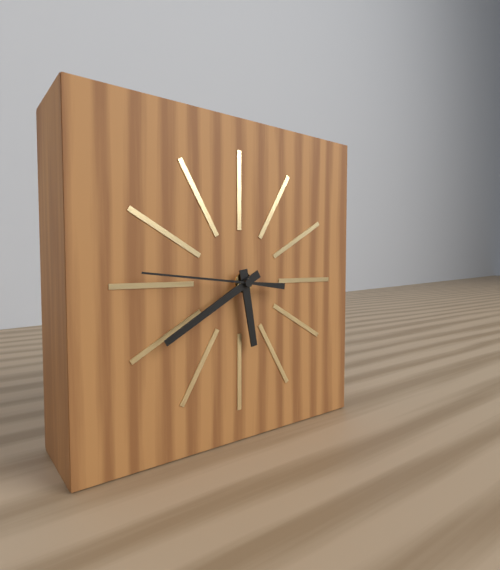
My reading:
h=5 m=40 s=46
